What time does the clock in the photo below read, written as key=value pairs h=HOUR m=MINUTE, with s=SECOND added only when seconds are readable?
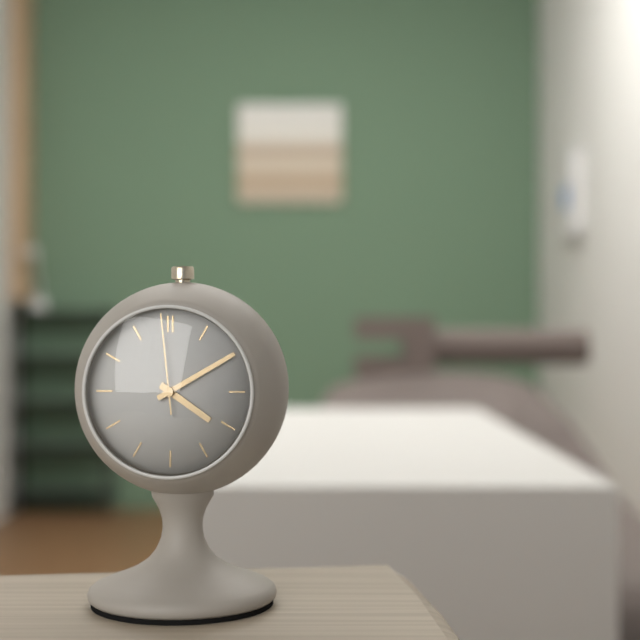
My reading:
h=4 m=10 s=59
